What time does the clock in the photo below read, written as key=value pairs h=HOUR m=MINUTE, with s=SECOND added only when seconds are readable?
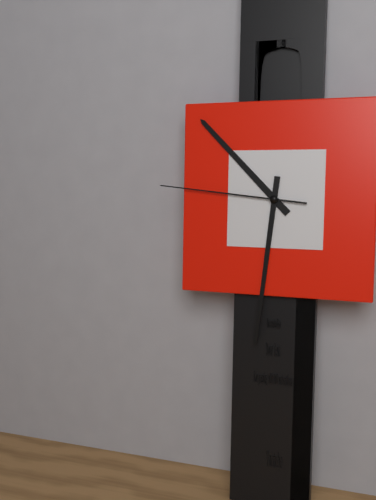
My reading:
h=10 m=31 s=46
